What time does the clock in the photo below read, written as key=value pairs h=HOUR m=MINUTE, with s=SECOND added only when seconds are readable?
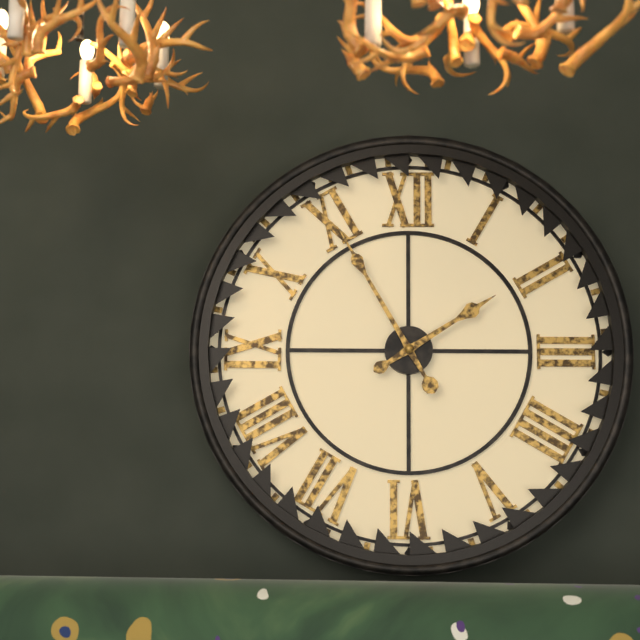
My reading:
h=1 m=55
